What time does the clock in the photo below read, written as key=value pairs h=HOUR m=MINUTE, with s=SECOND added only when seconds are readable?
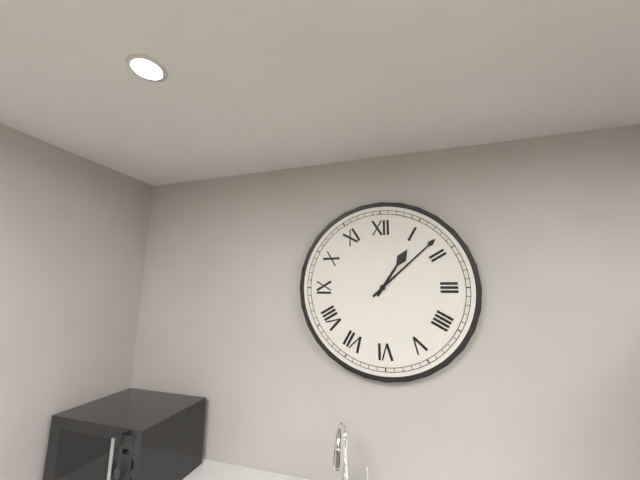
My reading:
h=1 m=8
